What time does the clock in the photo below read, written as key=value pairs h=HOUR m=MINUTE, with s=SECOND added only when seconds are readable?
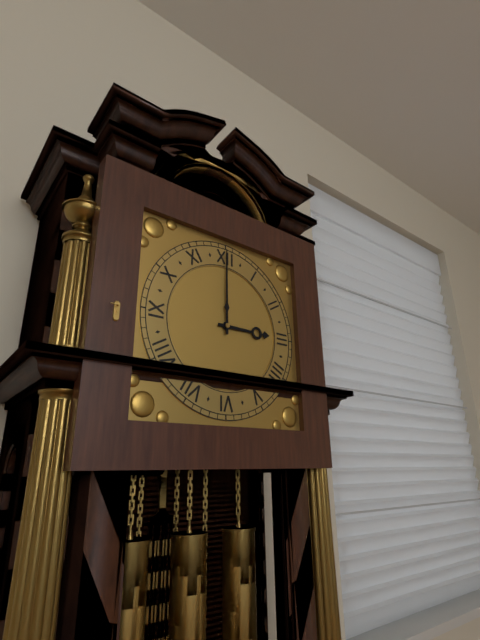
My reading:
h=3 m=0
